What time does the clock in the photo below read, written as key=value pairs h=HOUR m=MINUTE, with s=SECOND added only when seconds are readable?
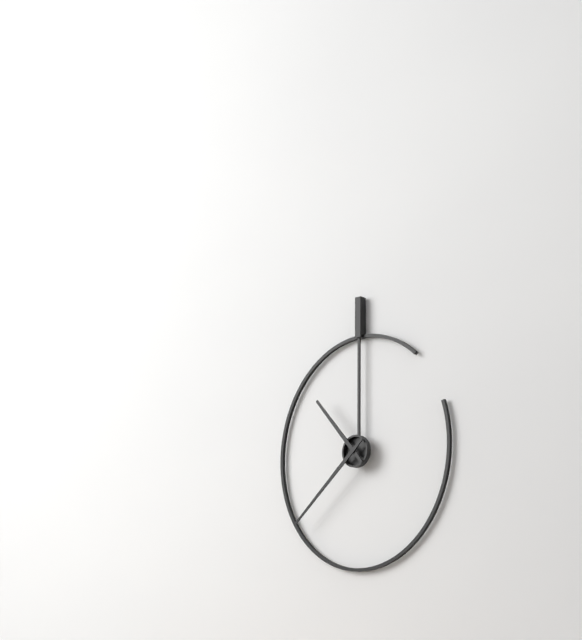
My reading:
h=10 m=38
